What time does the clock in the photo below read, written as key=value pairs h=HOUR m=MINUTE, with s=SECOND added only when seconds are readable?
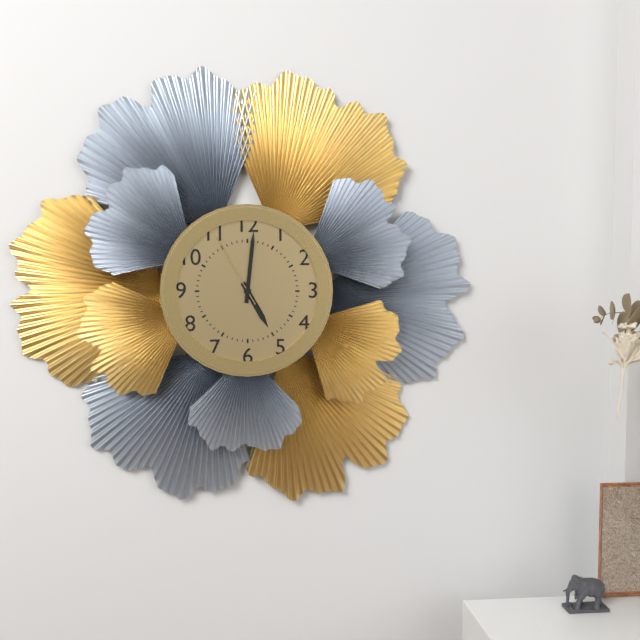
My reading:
h=5 m=1 s=55
